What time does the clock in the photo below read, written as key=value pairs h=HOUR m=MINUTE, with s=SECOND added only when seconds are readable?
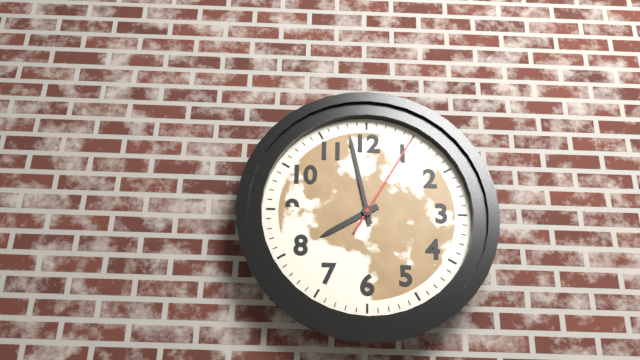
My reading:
h=7 m=58 s=5
